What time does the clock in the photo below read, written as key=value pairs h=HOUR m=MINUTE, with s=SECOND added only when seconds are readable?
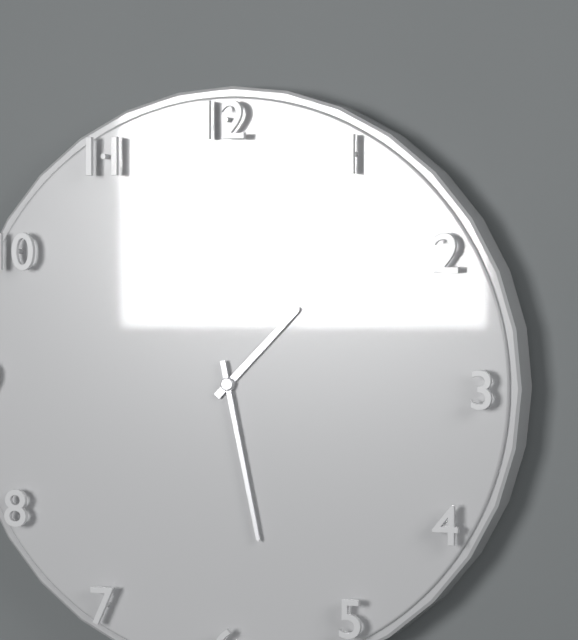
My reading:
h=1 m=28
